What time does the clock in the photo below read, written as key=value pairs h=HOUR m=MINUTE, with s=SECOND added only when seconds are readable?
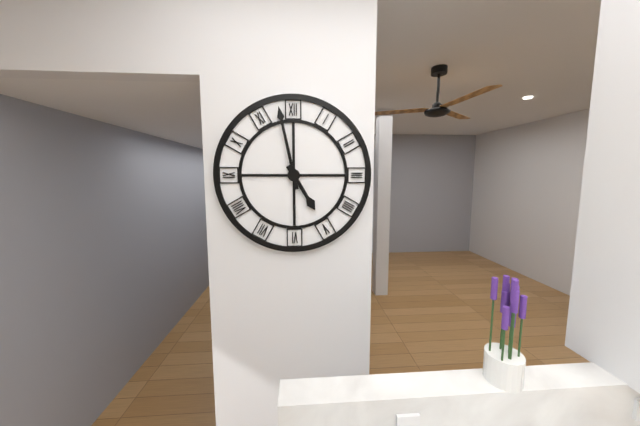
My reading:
h=4 m=58
